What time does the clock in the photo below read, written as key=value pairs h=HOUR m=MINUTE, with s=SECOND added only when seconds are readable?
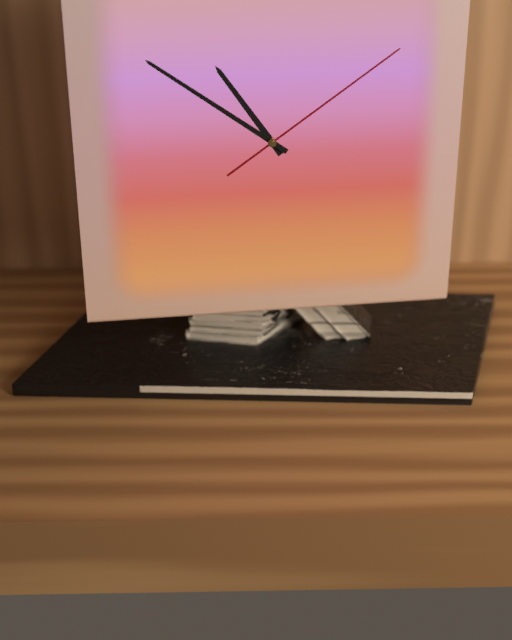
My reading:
h=10 m=51 s=9
